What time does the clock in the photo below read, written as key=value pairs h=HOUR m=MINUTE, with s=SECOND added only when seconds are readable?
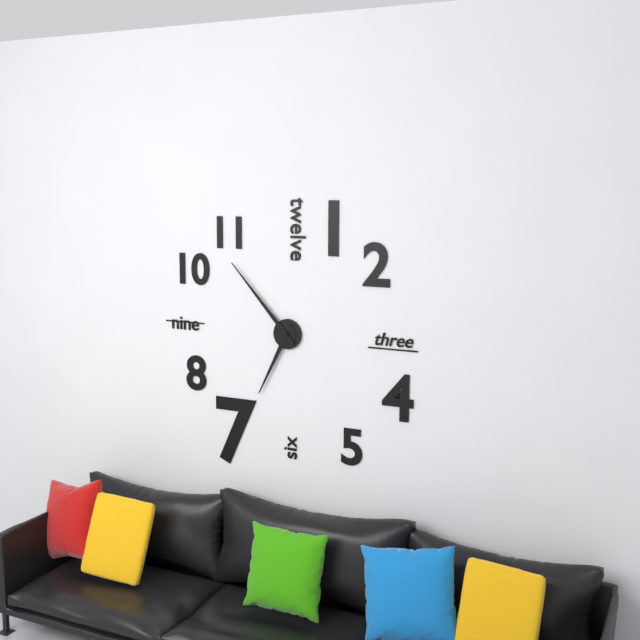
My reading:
h=6 m=53
